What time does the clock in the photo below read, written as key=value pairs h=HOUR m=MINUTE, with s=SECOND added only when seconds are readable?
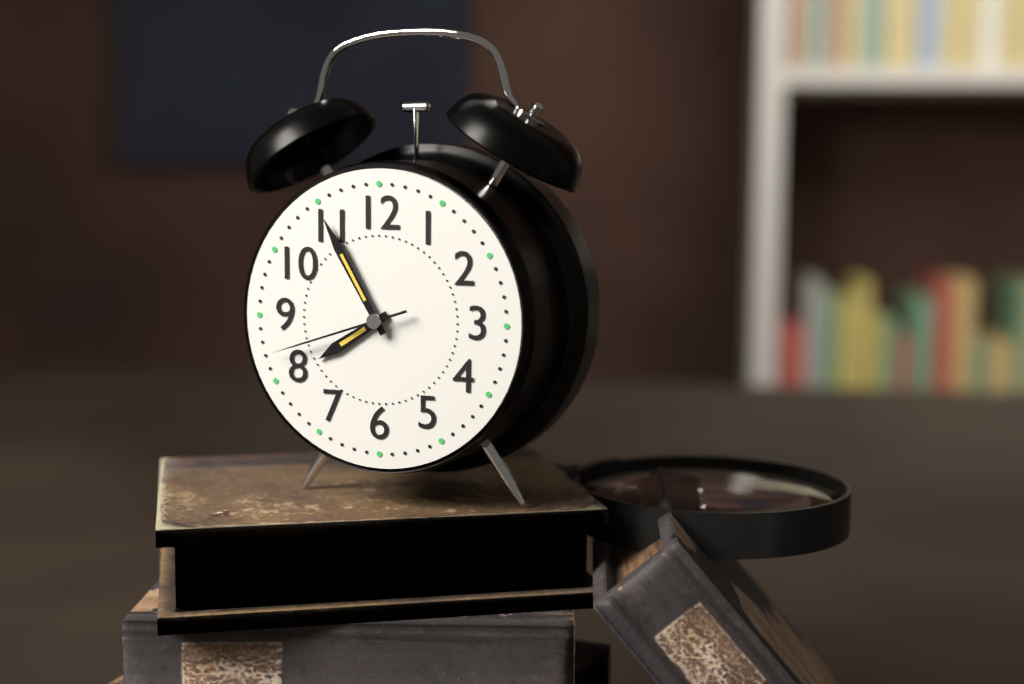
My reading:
h=7 m=55 s=42
